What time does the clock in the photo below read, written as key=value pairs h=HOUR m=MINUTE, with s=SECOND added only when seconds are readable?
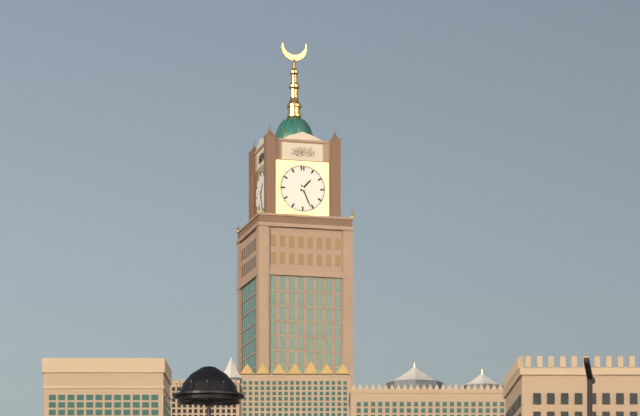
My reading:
h=1 m=26
